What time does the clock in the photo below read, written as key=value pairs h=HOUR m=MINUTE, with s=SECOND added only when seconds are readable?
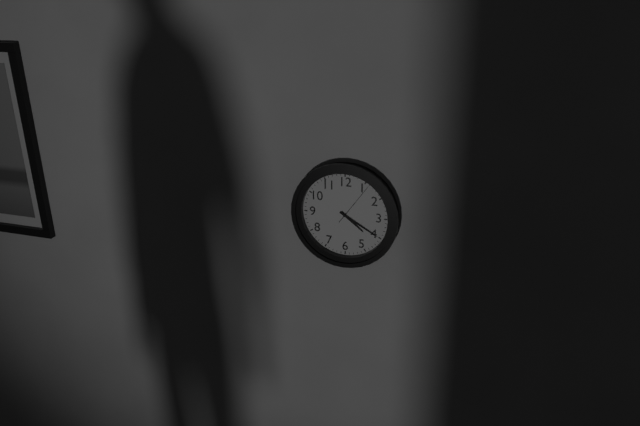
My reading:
h=4 m=20
